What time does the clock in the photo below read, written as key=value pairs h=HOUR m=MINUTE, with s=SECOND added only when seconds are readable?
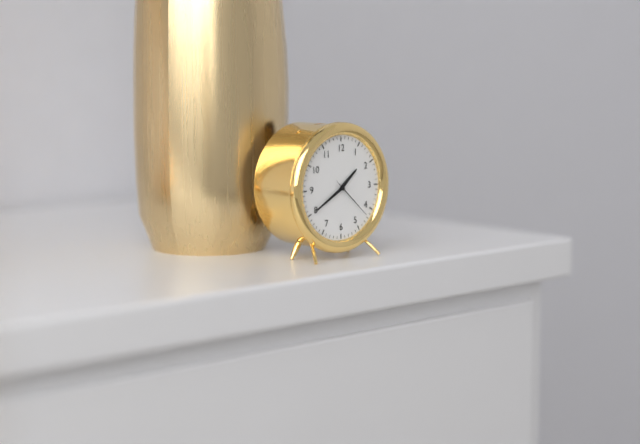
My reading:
h=1 m=40
